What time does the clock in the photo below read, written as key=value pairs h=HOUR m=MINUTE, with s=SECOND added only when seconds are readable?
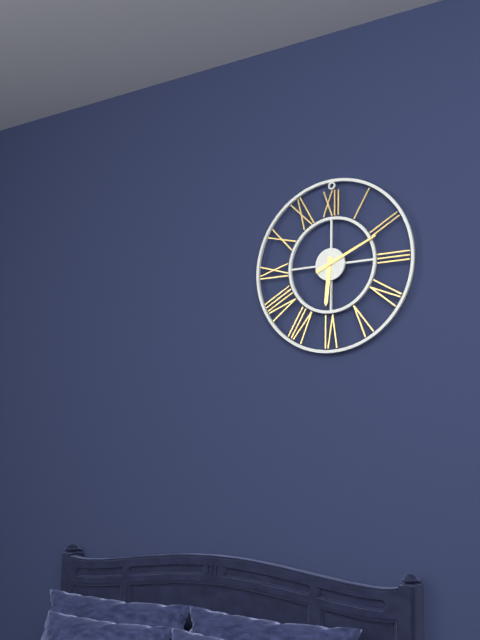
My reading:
h=6 m=11
